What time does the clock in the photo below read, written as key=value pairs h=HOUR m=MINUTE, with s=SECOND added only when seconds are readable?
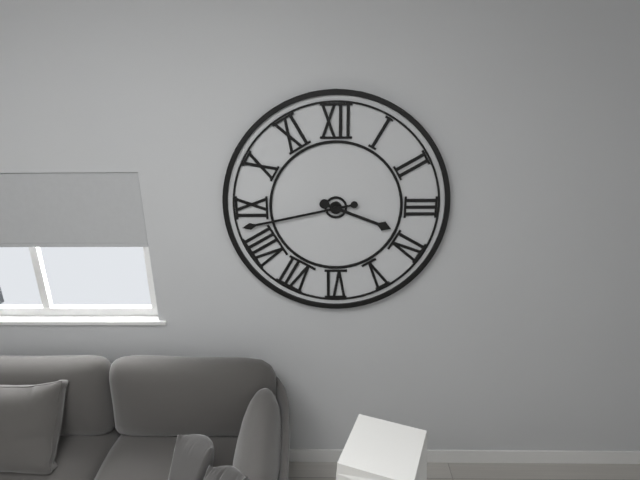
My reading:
h=3 m=43
